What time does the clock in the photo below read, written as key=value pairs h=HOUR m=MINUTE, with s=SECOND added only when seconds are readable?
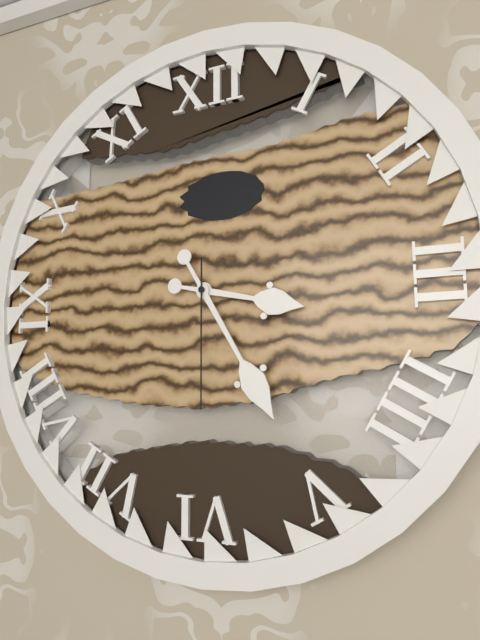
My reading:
h=3 m=25 s=30
